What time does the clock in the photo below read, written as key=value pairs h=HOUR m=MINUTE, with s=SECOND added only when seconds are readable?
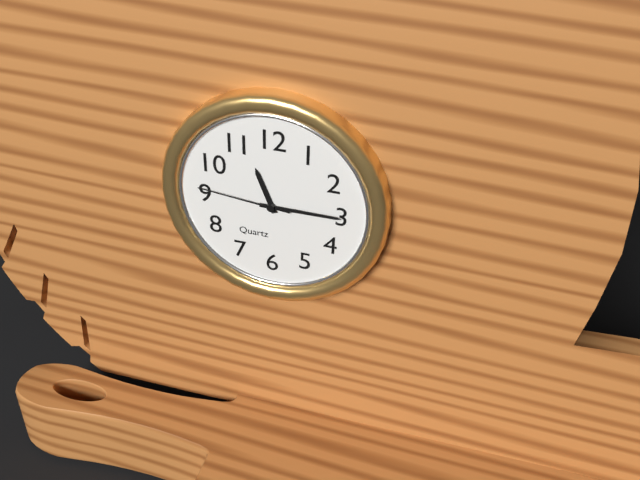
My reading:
h=11 m=15 s=46
